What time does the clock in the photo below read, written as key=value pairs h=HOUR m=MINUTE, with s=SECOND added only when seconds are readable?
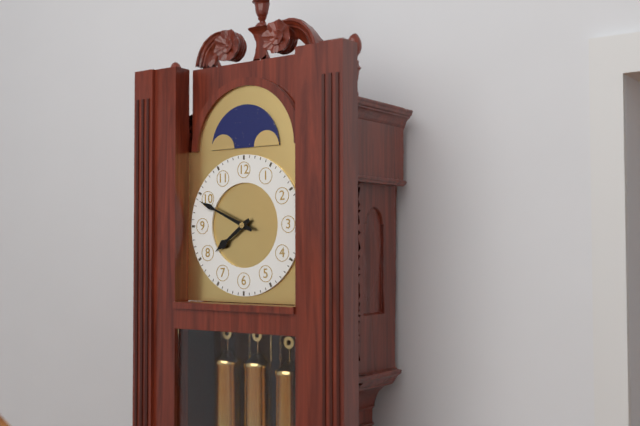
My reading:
h=7 m=49
